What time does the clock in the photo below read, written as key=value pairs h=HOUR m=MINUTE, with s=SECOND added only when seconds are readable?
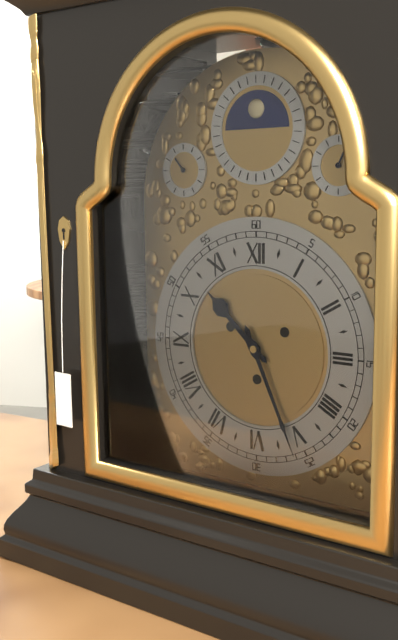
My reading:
h=10 m=26
